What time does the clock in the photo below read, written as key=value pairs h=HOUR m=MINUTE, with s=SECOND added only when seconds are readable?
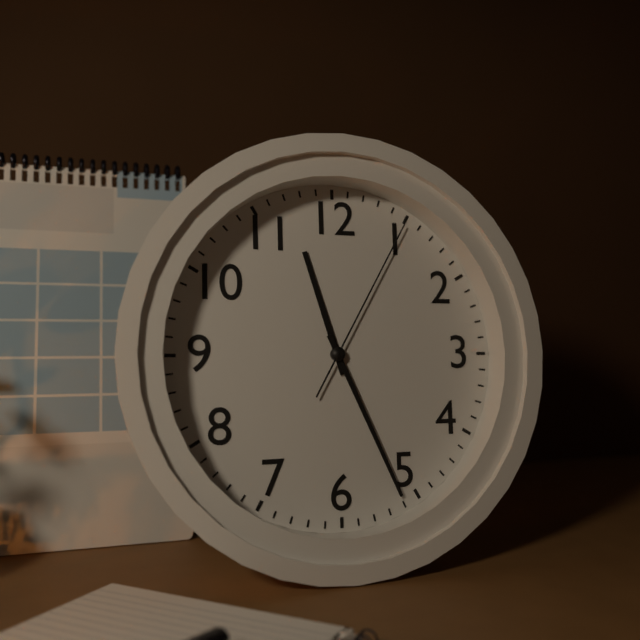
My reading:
h=11 m=26 s=5
